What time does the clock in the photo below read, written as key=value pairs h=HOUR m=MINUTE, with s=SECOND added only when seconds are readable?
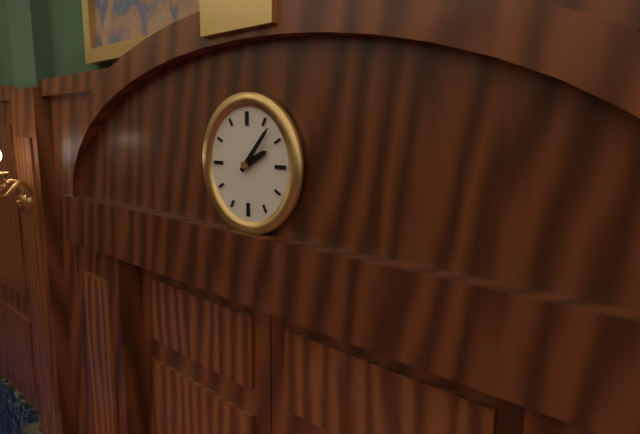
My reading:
h=2 m=7
